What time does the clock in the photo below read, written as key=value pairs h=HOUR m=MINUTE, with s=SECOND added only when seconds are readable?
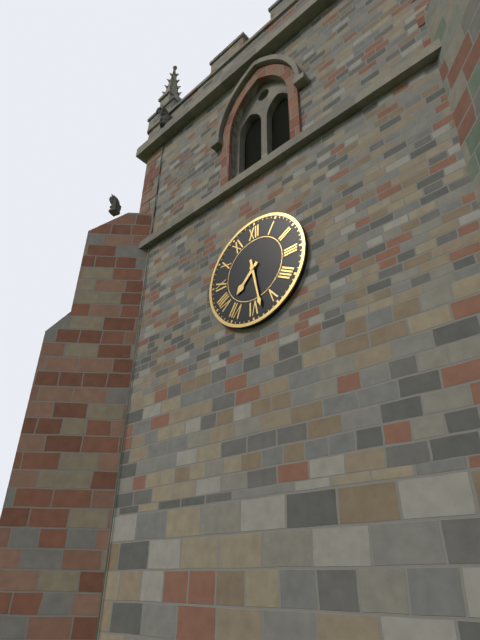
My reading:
h=7 m=28
